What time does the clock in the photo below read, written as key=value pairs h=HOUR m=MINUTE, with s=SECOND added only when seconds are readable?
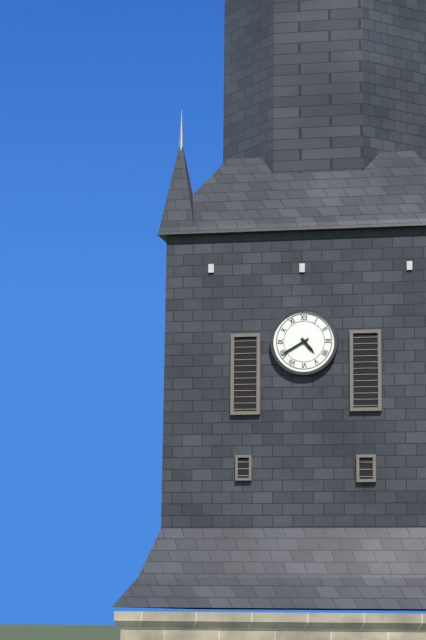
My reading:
h=4 m=40
